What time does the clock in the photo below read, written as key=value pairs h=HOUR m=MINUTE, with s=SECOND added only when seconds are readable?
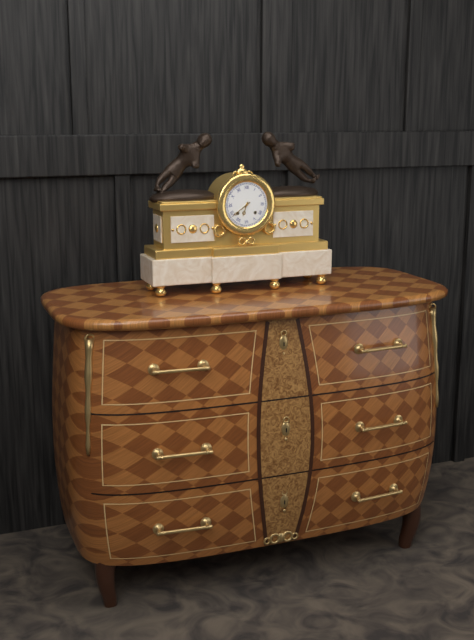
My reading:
h=6 m=39
